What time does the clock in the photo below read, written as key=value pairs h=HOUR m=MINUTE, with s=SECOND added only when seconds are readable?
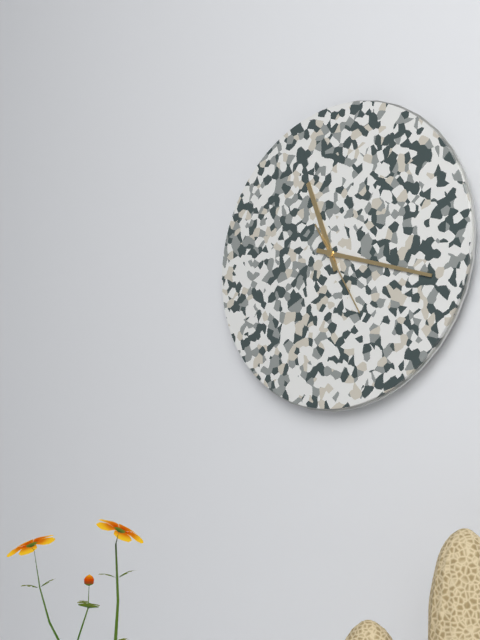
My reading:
h=11 m=18 s=25
